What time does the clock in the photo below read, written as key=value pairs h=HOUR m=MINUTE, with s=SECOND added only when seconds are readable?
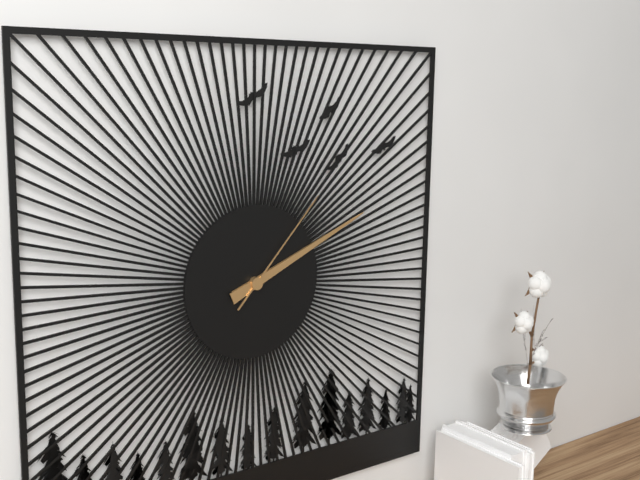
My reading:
h=2 m=11 s=7
